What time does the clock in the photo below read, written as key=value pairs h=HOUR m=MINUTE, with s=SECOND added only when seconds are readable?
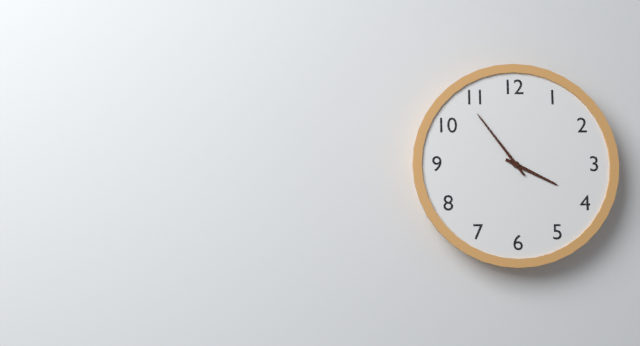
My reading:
h=3 m=54
